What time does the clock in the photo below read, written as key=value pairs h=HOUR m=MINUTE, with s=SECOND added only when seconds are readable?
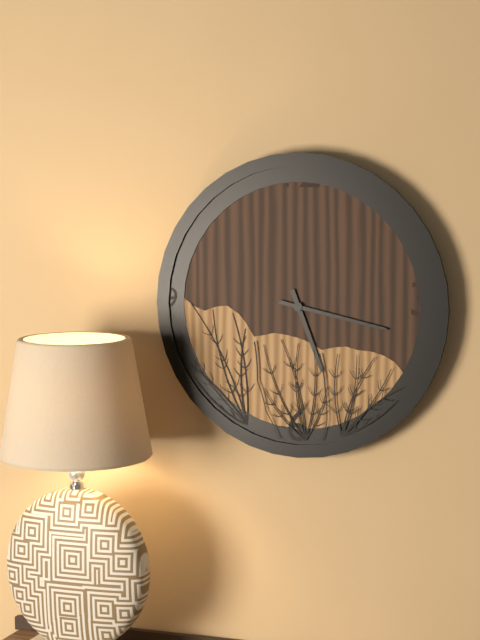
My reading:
h=5 m=17
